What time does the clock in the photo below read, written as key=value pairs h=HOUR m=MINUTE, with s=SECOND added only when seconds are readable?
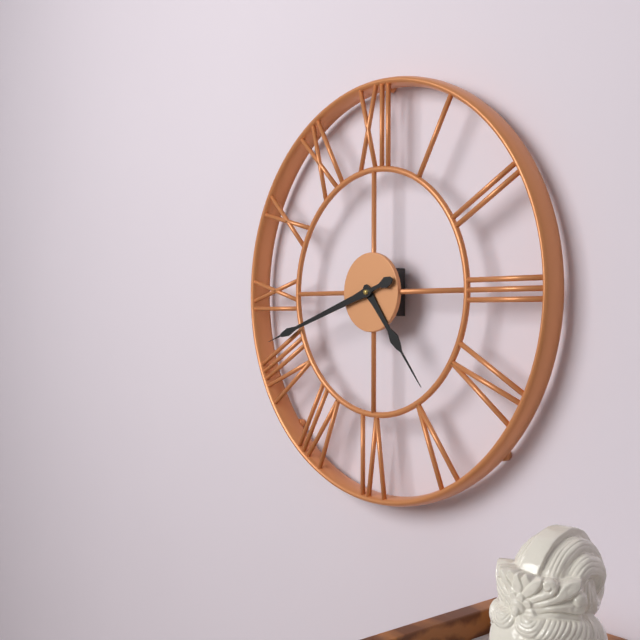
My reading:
h=4 m=42
